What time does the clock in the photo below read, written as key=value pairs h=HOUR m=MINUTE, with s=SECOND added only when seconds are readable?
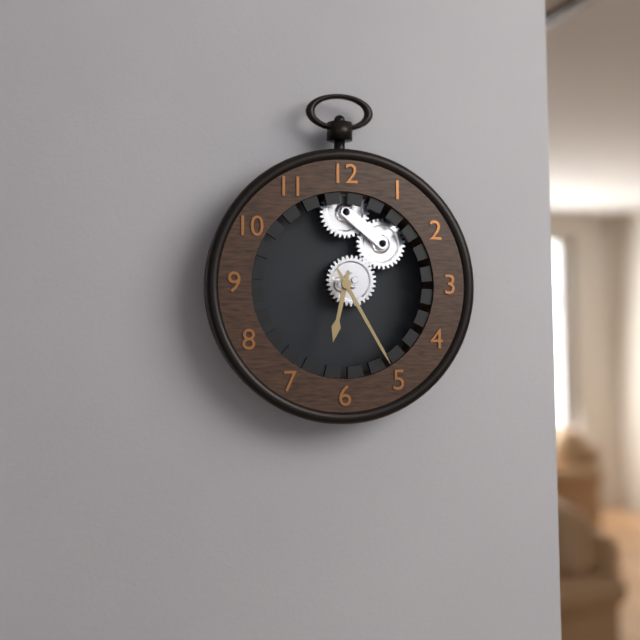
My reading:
h=6 m=25
